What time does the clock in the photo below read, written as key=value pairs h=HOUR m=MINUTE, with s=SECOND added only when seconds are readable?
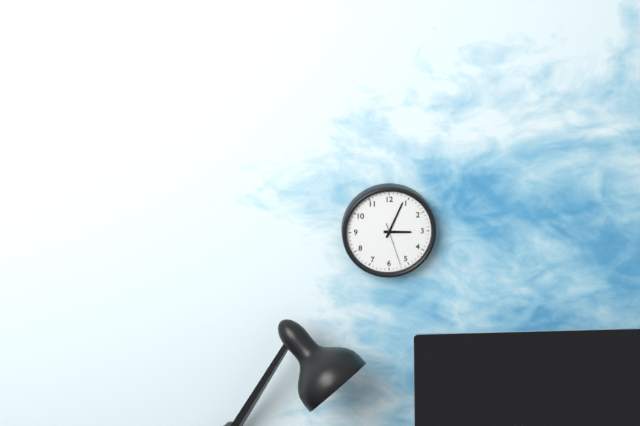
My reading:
h=3 m=4
